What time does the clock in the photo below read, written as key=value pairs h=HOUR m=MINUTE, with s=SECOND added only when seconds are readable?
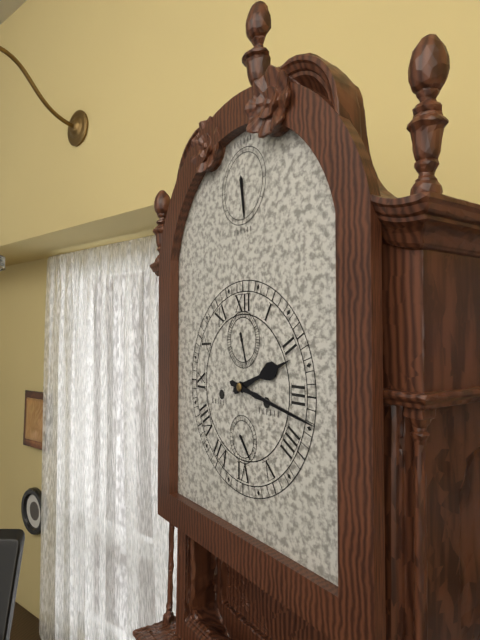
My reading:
h=2 m=17
